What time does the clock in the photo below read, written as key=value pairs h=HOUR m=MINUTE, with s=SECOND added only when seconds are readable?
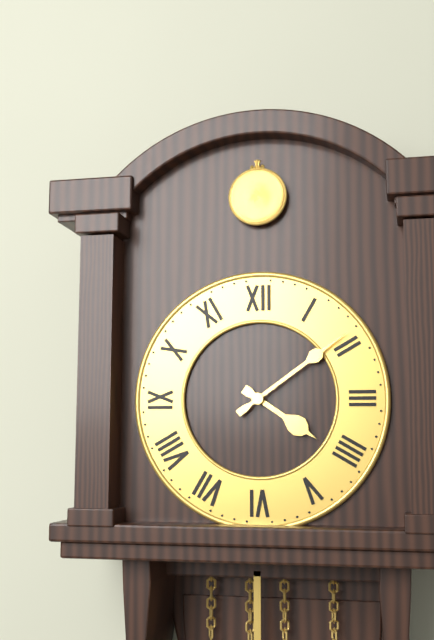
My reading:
h=4 m=9
